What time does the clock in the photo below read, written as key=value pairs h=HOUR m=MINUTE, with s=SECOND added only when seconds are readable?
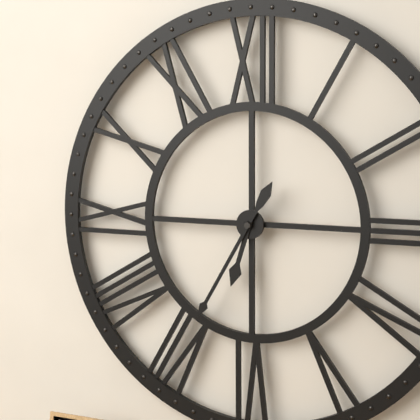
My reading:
h=6 m=35
